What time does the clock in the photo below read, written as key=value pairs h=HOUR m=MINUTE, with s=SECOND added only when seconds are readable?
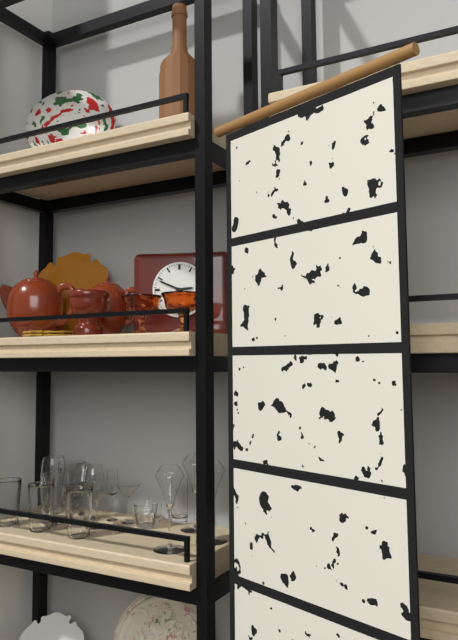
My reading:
h=2 m=49
